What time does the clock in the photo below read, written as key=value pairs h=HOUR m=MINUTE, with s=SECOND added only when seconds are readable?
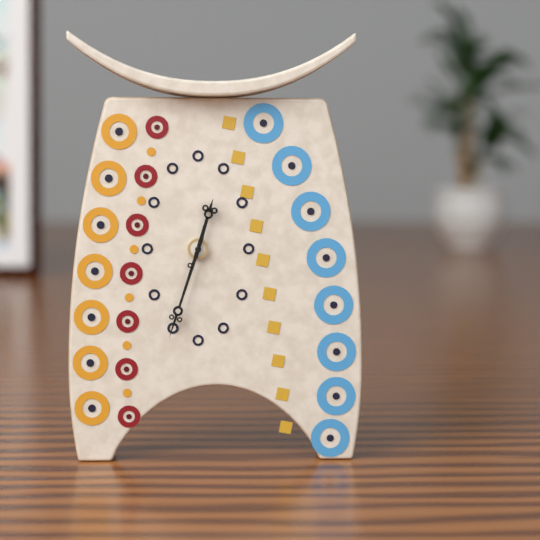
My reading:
h=12 m=33
